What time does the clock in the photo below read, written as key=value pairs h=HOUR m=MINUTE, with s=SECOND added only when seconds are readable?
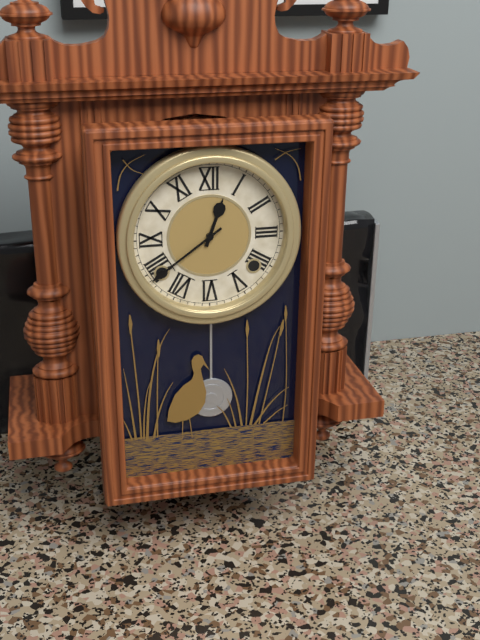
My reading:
h=12 m=39
